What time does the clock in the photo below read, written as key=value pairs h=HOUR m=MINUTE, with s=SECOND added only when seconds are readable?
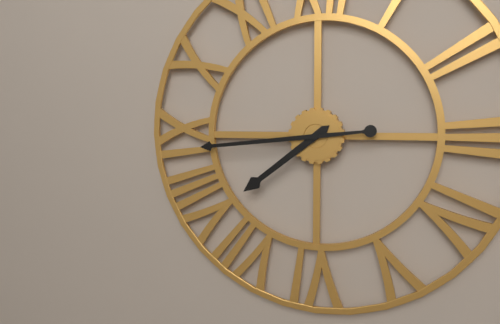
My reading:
h=7 m=44
